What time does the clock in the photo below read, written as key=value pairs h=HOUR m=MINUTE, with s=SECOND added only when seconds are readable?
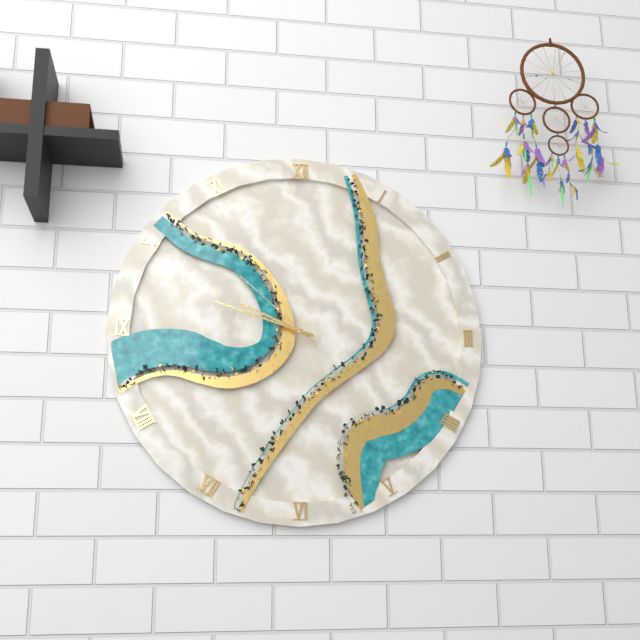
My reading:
h=9 m=48 s=52
